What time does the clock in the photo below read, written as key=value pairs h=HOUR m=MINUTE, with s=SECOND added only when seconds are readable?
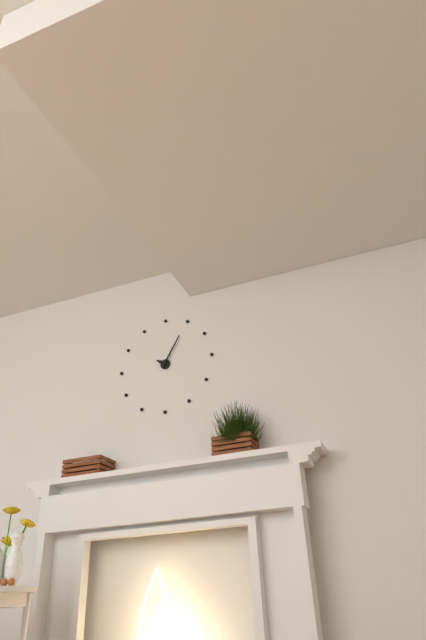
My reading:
h=10 m=5
